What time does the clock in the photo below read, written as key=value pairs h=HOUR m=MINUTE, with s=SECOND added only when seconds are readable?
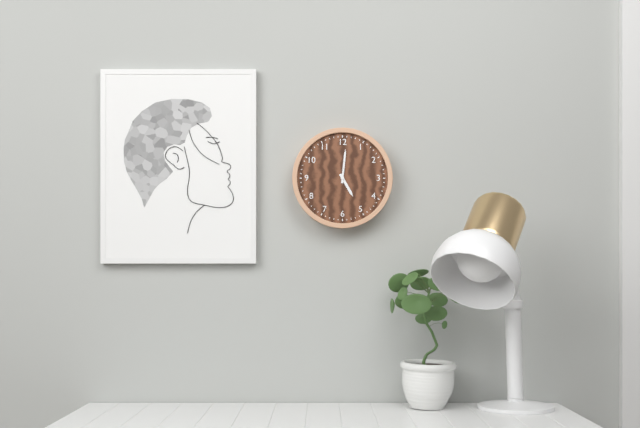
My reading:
h=5 m=1
